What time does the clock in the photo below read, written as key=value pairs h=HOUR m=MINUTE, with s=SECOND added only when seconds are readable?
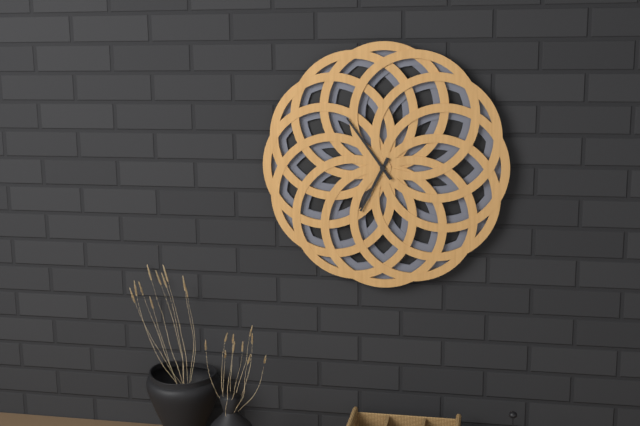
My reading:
h=6 m=54
